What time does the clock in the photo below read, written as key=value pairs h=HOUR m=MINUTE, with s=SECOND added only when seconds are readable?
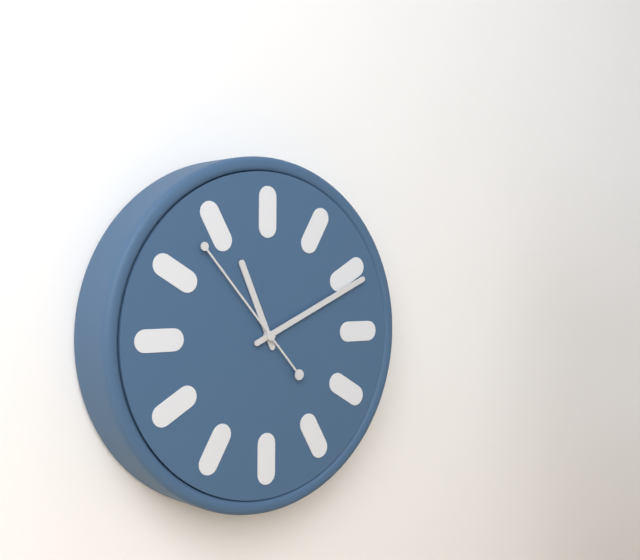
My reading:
h=11 m=11 s=53
